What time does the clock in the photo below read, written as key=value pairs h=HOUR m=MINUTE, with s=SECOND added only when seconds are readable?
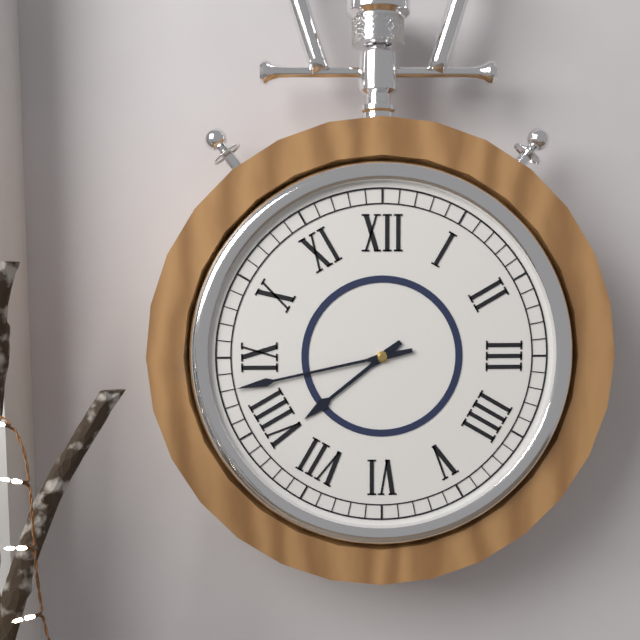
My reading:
h=7 m=43
